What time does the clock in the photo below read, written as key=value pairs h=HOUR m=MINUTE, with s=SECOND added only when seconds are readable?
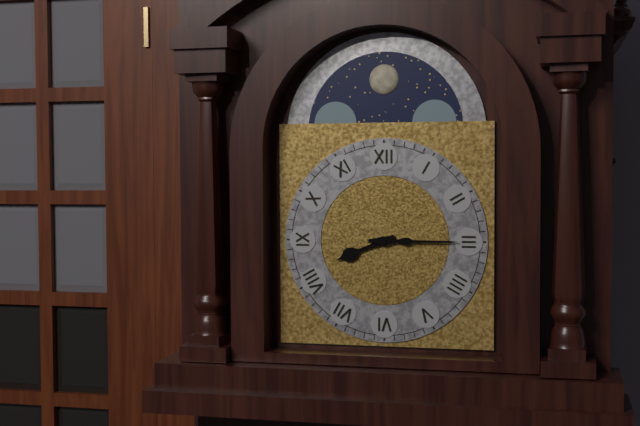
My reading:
h=8 m=15
